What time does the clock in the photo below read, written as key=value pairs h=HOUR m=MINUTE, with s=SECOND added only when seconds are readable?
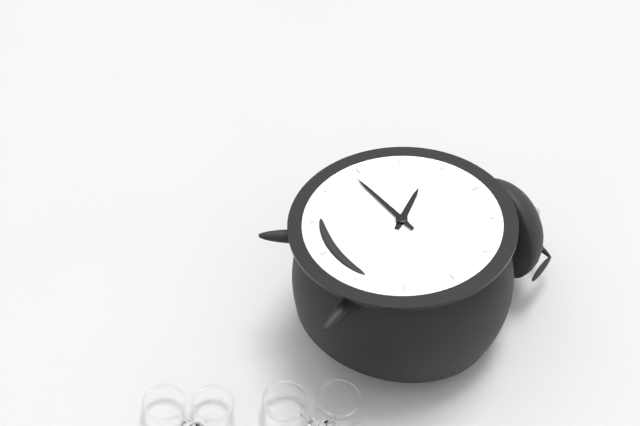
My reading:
h=10 m=44
